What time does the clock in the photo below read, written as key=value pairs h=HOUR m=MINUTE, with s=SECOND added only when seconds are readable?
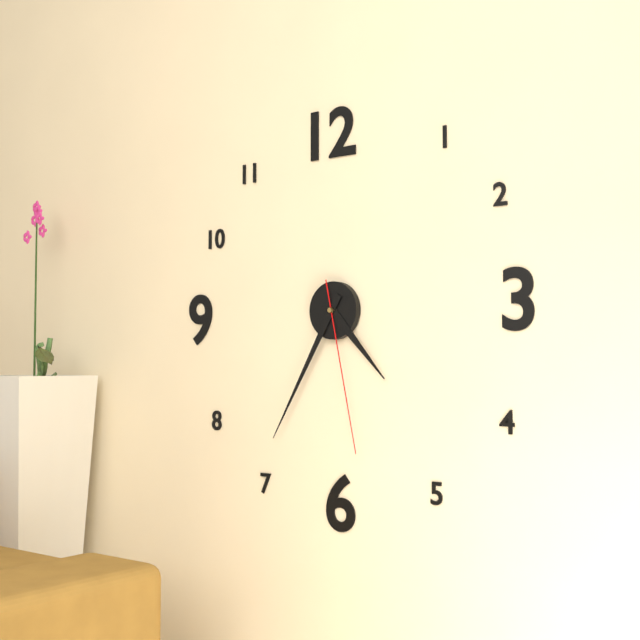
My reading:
h=4 m=35 s=28
